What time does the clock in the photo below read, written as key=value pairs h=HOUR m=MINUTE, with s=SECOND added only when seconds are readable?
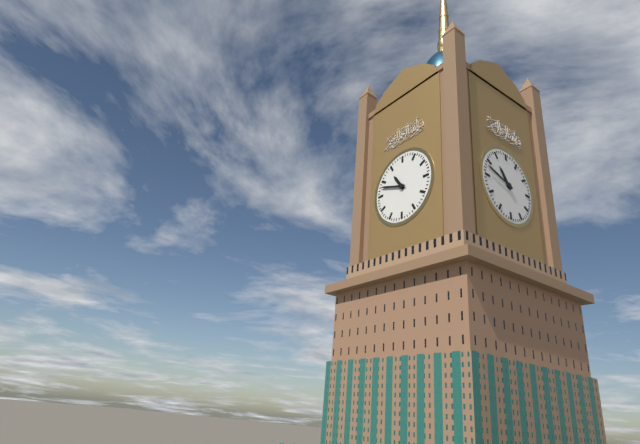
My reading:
h=10 m=48
